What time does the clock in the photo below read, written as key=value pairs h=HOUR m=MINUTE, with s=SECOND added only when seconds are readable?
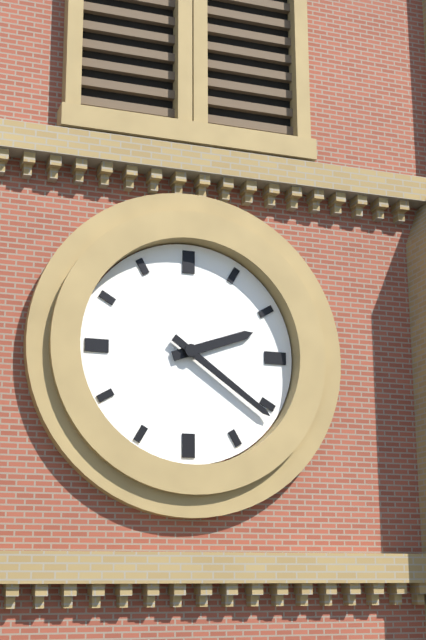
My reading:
h=2 m=21
